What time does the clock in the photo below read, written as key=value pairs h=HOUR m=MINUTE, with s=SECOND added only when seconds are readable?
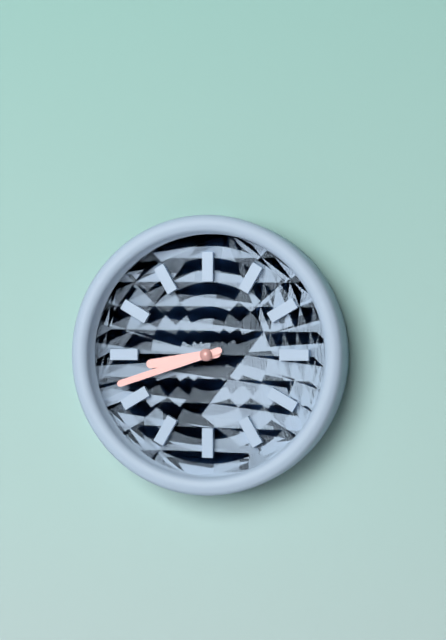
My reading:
h=8 m=42
